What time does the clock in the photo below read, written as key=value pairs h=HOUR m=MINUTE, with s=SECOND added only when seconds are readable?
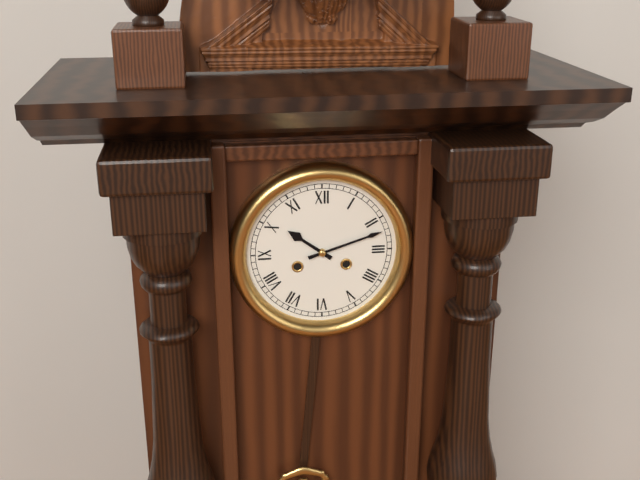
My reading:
h=10 m=12
